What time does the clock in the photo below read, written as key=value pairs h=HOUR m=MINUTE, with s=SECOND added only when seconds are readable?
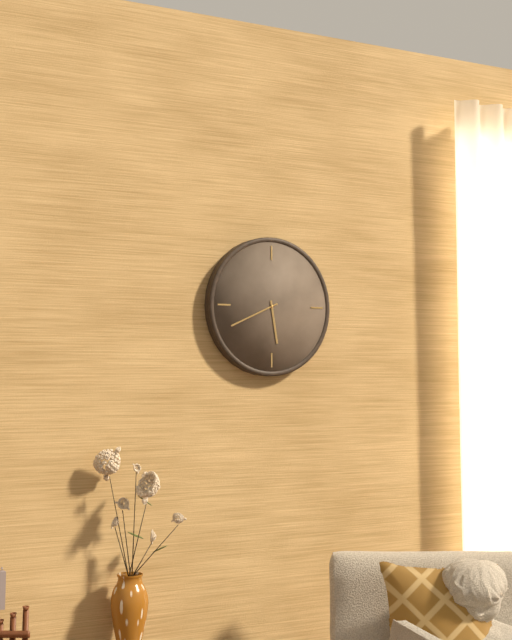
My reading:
h=5 m=41
